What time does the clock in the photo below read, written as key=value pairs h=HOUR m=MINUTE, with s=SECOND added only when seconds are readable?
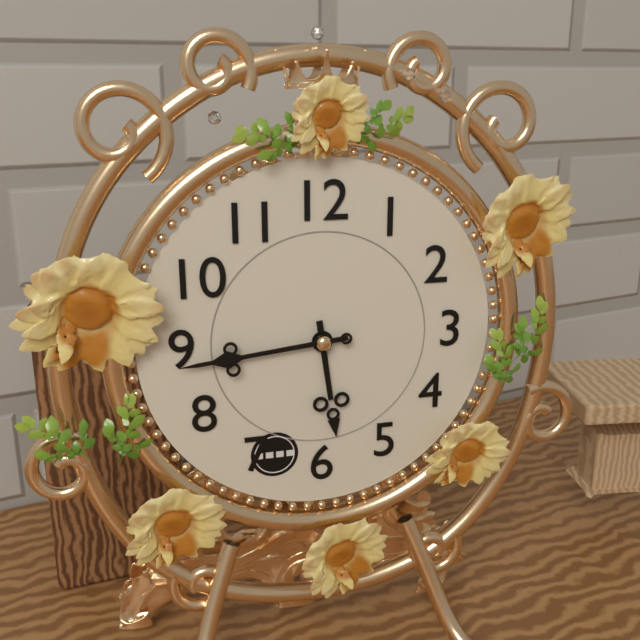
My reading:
h=5 m=44
